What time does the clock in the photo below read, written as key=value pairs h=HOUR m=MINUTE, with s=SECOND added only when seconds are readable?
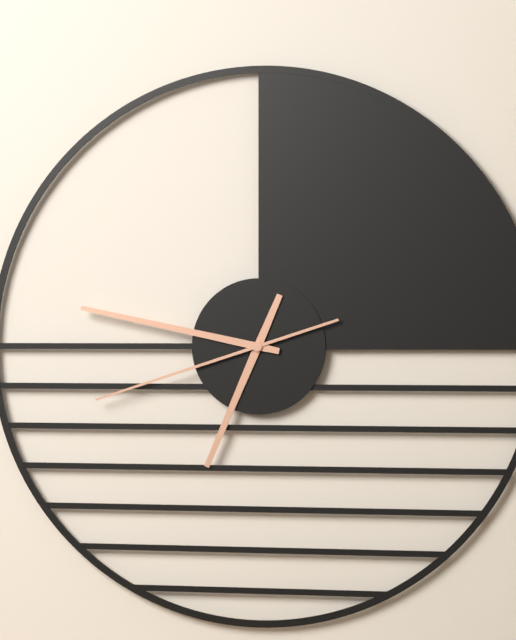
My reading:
h=6 m=47 s=42
